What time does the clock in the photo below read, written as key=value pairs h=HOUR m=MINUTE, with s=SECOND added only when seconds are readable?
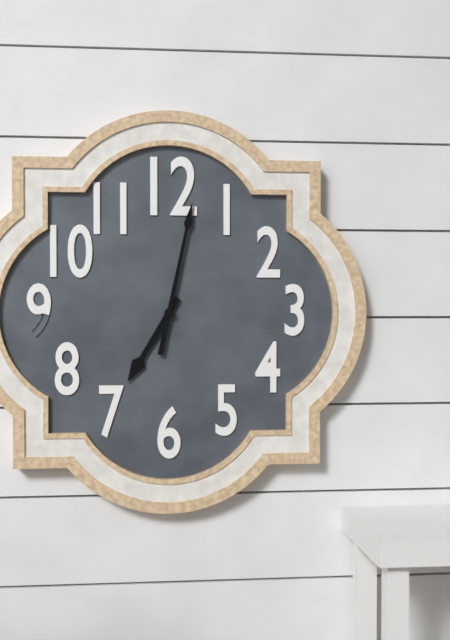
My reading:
h=7 m=2
